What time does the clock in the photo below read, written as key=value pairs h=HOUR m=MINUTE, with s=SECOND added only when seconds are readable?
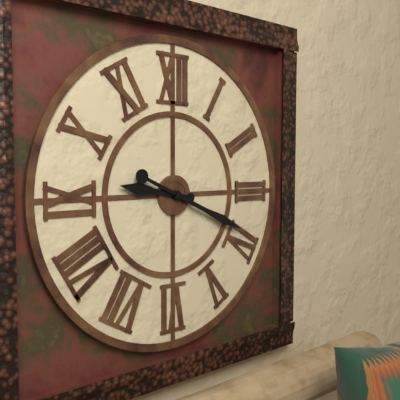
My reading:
h=9 m=19
